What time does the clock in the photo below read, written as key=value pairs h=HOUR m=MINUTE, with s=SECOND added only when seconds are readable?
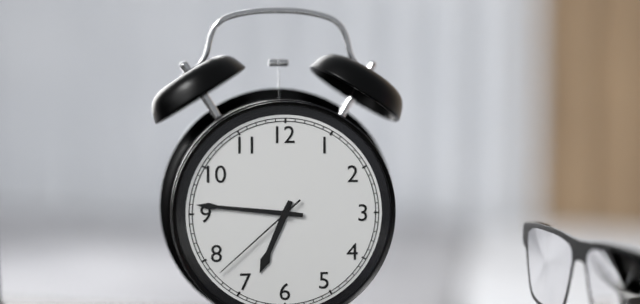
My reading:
h=6 m=46 s=38
